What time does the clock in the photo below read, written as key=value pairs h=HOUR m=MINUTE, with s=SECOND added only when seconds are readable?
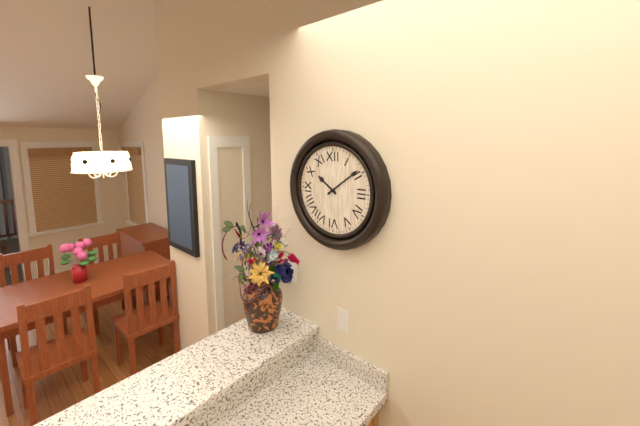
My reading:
h=10 m=9
